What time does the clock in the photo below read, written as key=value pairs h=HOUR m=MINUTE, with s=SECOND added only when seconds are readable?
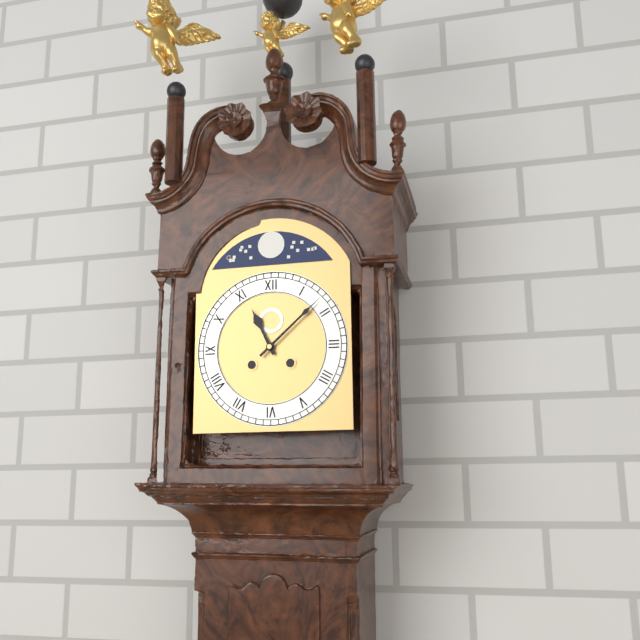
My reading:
h=11 m=8
